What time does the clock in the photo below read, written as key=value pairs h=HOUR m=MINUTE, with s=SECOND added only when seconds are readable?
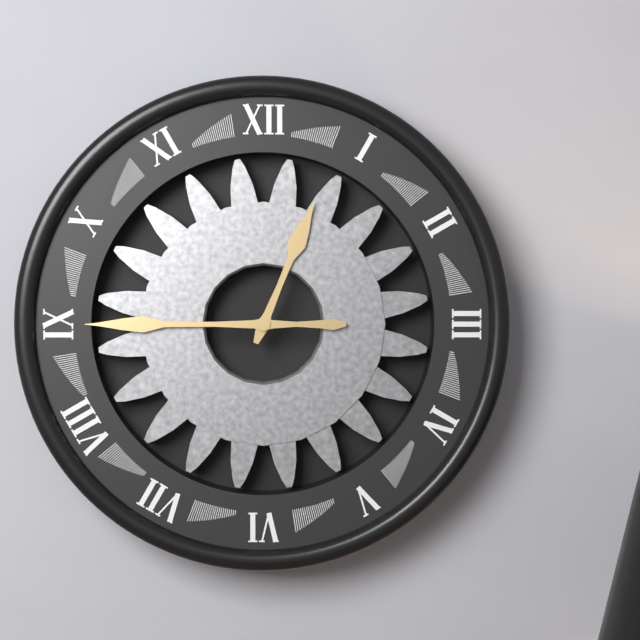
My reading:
h=12 m=45
